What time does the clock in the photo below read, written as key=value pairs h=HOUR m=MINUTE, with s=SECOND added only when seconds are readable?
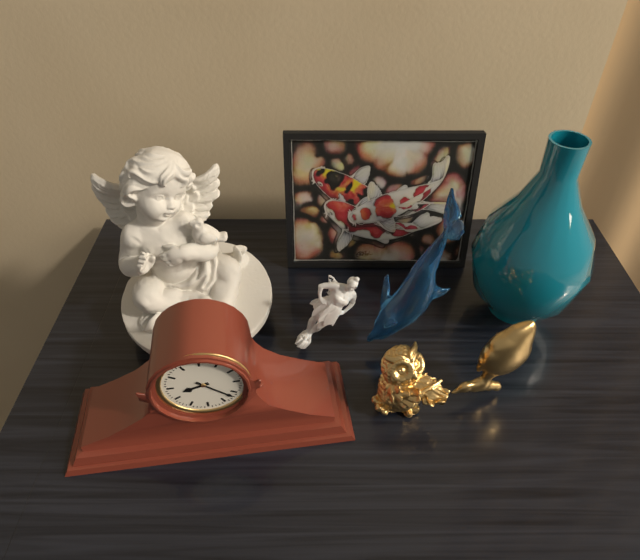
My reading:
h=8 m=22
